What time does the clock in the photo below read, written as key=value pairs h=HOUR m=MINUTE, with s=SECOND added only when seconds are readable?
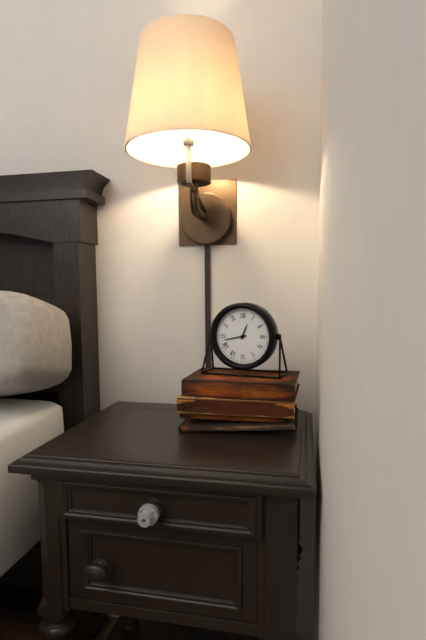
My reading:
h=12 m=43
